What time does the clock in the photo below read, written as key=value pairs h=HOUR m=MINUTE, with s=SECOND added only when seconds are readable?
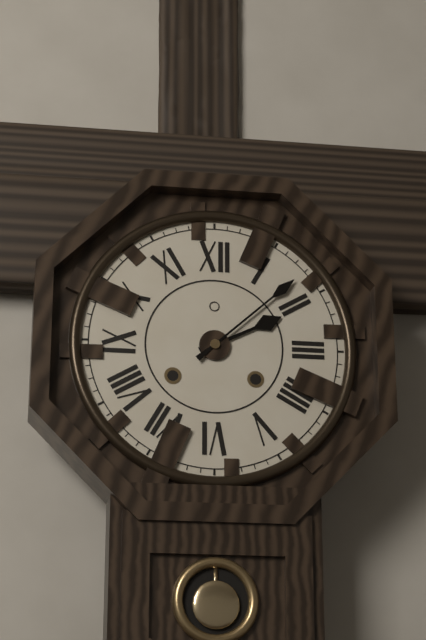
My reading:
h=2 m=8
